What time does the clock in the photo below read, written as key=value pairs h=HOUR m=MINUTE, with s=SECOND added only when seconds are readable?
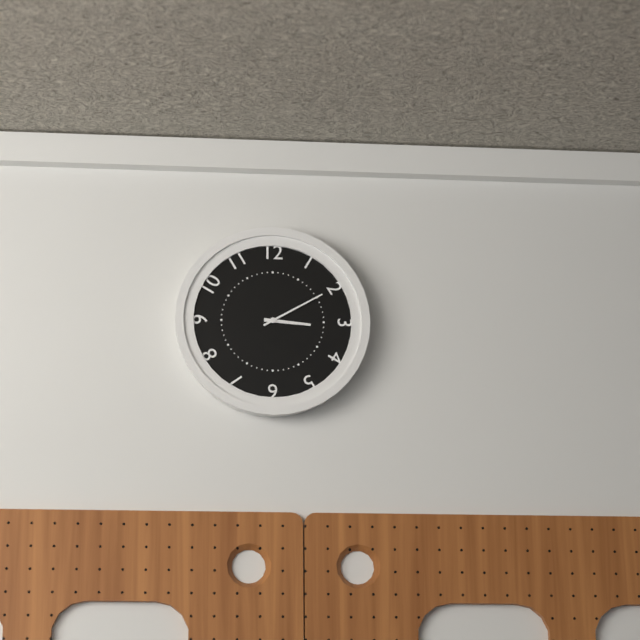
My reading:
h=3 m=10
